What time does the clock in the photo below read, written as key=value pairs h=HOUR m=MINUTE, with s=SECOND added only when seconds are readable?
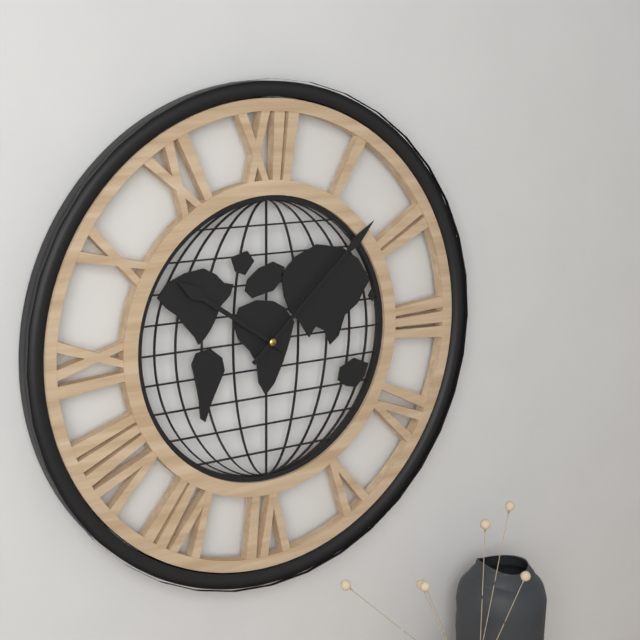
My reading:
h=10 m=8
